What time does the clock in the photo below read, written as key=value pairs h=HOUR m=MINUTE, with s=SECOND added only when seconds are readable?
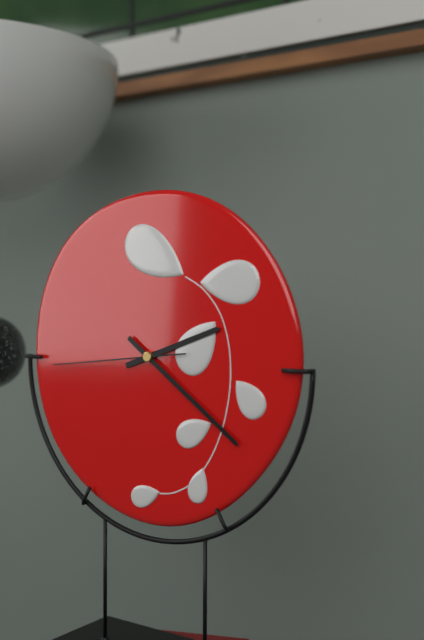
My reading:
h=2 m=21 s=44
